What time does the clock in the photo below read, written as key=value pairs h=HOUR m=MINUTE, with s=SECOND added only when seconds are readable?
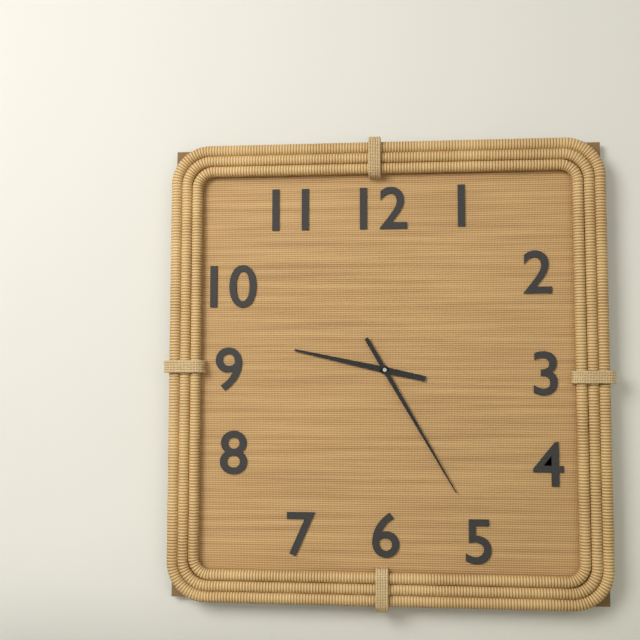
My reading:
h=9 m=25
